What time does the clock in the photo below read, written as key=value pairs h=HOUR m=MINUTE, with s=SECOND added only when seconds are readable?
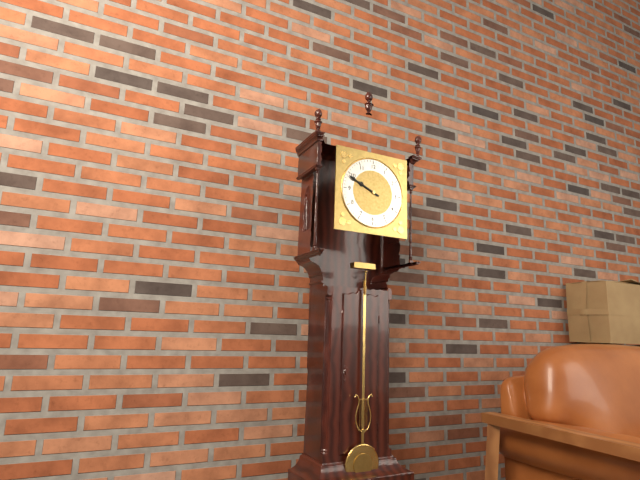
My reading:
h=9 m=49
